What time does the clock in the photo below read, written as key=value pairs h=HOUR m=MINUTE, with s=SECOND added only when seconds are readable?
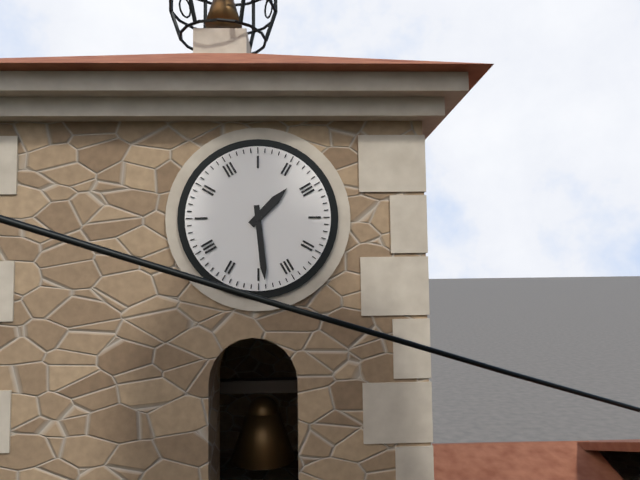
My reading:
h=1 m=29
